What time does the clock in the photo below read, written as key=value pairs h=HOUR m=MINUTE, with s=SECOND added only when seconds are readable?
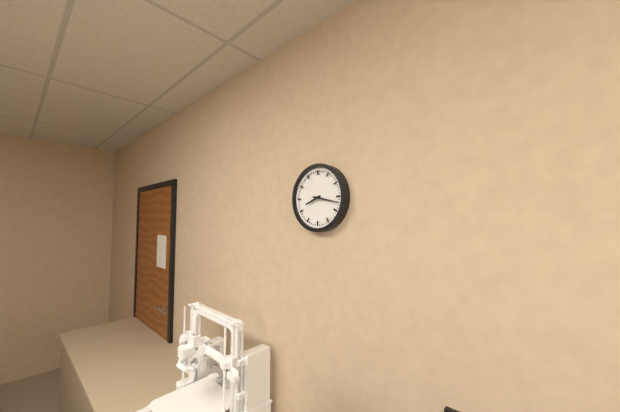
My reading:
h=8 m=17
